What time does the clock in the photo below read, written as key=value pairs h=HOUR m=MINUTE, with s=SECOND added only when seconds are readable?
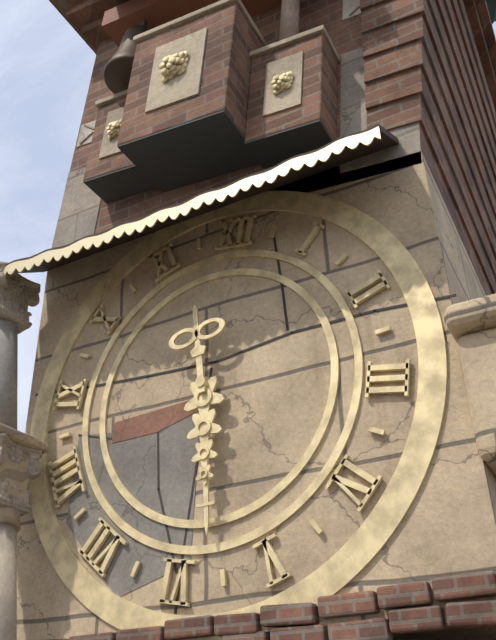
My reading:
h=11 m=28
